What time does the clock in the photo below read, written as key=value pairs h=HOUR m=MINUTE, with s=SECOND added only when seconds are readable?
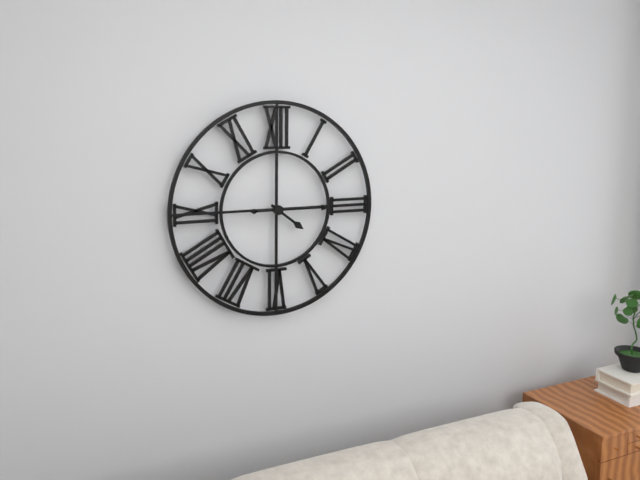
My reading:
h=4 m=15
